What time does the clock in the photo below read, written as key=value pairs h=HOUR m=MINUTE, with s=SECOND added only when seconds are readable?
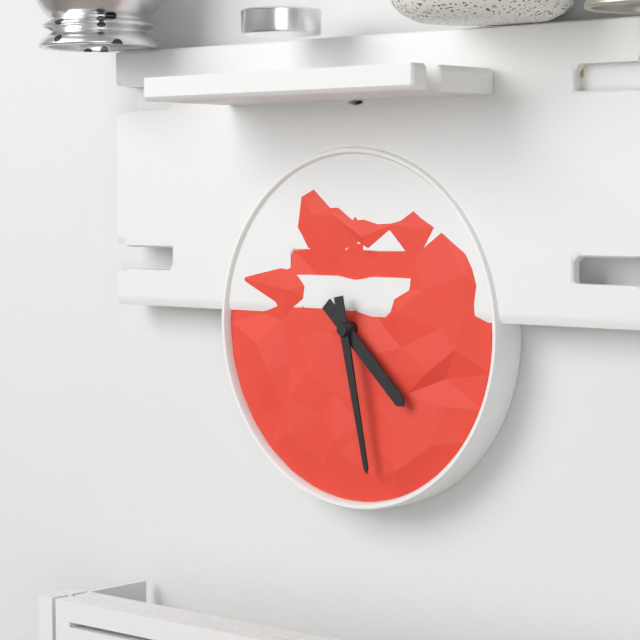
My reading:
h=4 m=28
